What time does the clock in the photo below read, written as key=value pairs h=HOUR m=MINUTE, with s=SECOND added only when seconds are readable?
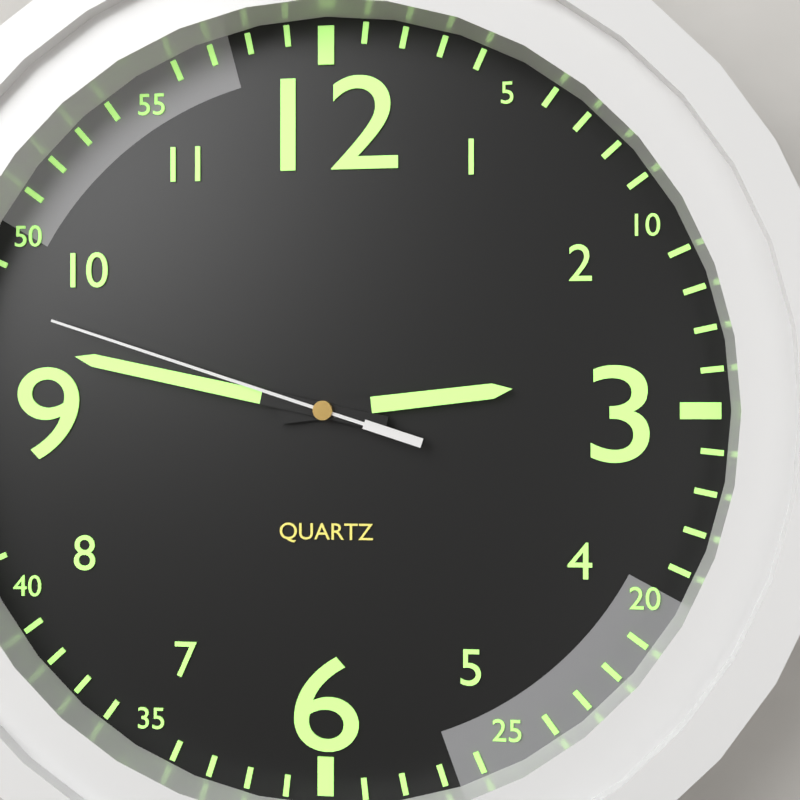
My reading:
h=2 m=47 s=48
